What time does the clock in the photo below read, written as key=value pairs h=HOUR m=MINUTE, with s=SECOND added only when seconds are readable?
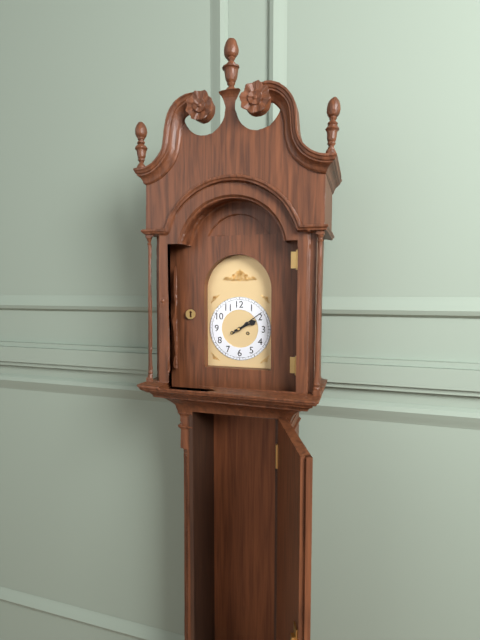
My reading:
h=2 m=9
